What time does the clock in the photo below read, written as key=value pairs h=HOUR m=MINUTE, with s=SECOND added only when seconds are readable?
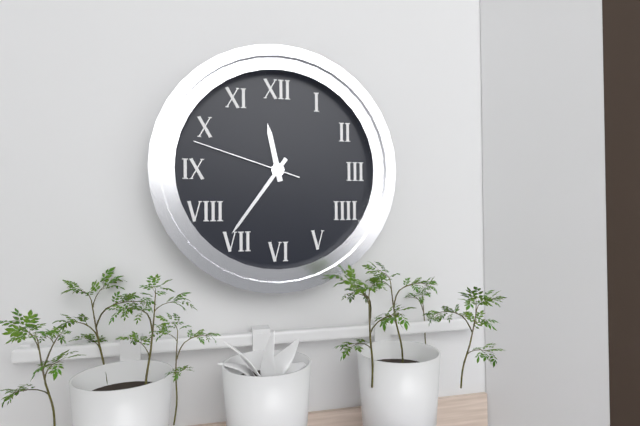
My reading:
h=11 m=36 s=48
